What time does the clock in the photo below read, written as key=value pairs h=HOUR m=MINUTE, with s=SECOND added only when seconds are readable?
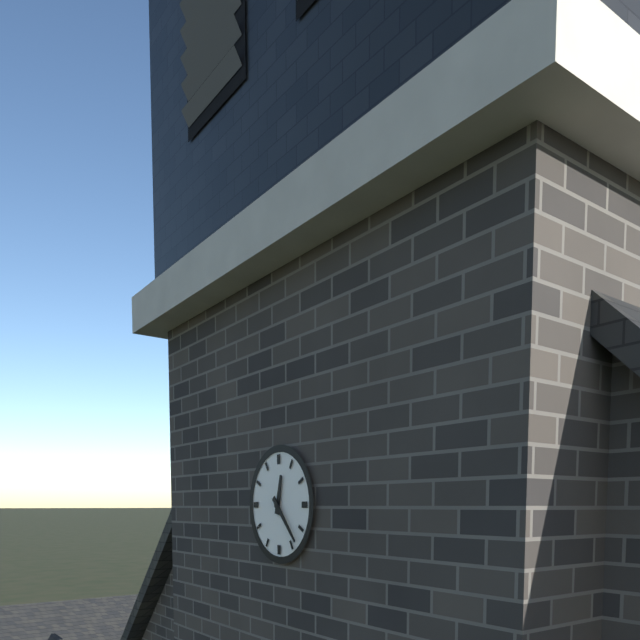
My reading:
h=12 m=23
